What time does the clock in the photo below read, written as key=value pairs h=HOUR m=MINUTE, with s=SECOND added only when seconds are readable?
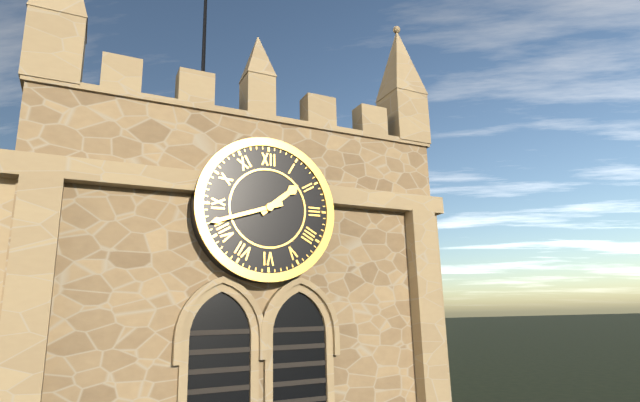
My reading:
h=1 m=42
